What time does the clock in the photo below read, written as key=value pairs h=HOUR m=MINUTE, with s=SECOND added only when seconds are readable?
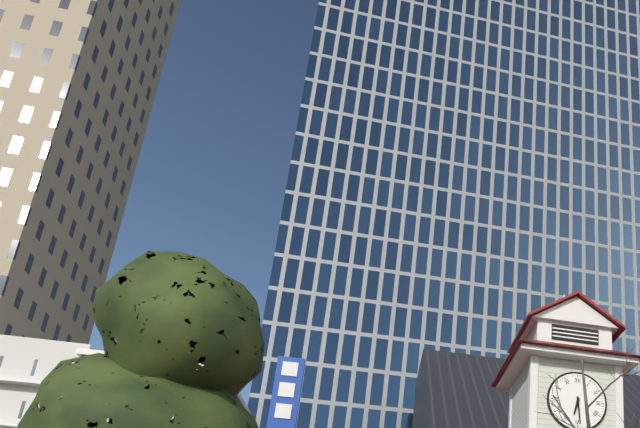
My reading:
h=6 m=29
